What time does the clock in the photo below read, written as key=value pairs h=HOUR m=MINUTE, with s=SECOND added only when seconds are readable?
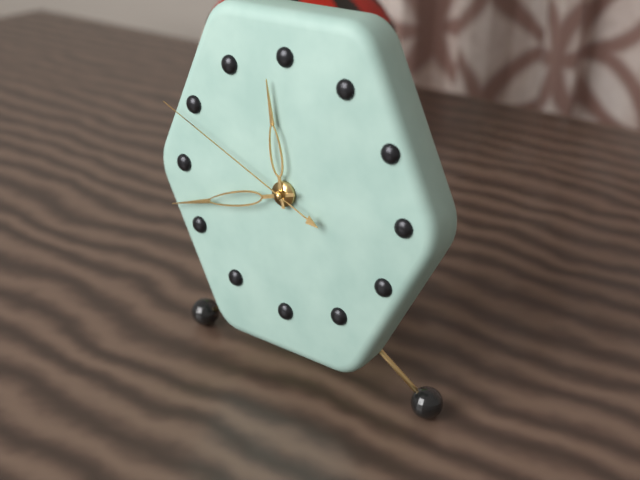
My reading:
h=11 m=42 s=49
